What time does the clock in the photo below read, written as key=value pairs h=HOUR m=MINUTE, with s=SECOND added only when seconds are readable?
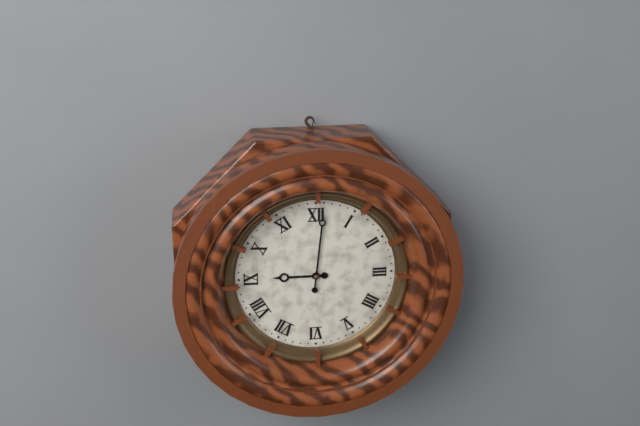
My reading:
h=9 m=1
